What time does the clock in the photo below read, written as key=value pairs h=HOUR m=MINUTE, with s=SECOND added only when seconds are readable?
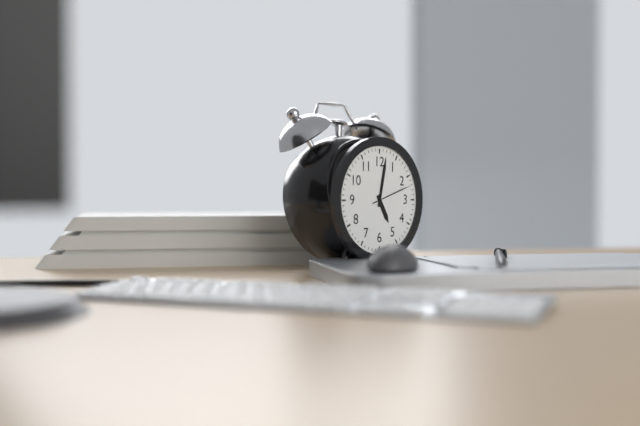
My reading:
h=5 m=2
